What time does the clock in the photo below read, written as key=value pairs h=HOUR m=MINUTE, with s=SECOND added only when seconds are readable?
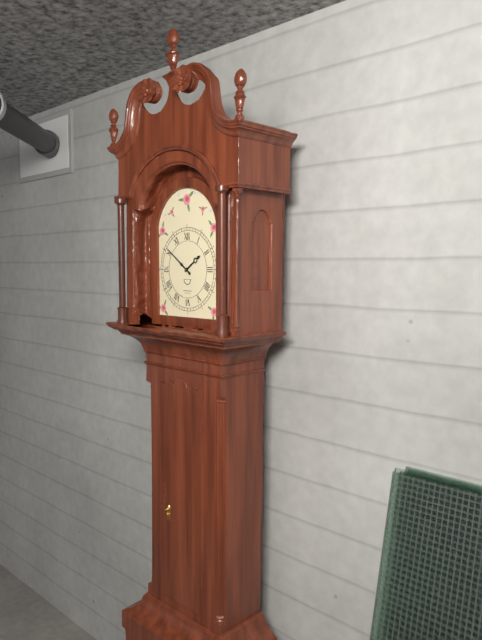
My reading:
h=1 m=51
